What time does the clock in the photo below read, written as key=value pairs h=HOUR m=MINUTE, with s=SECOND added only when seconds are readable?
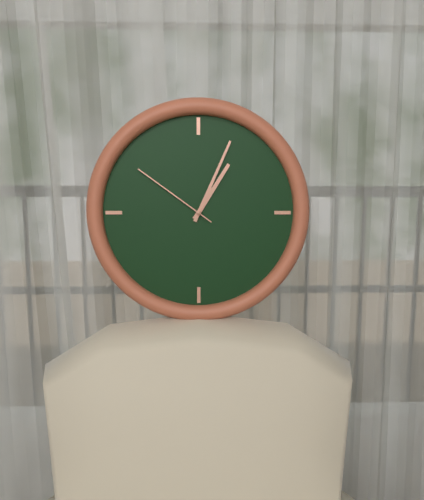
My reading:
h=1 m=4 s=51
